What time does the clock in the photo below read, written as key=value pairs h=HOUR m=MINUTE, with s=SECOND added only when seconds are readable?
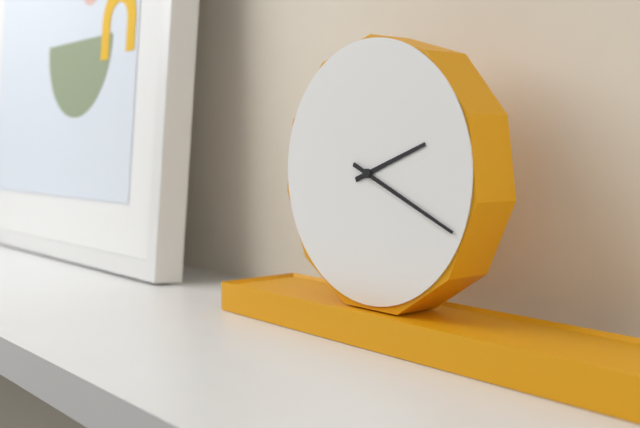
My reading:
h=2 m=19
